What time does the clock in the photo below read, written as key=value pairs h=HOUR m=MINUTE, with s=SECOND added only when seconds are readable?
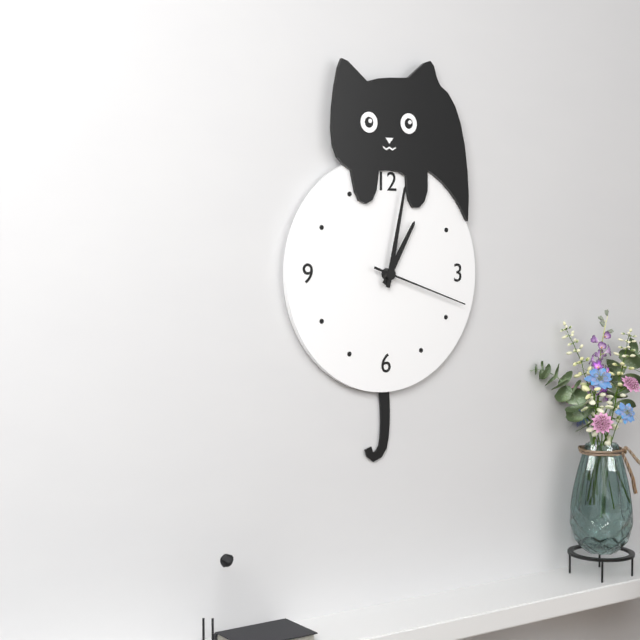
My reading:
h=1 m=2 s=18
